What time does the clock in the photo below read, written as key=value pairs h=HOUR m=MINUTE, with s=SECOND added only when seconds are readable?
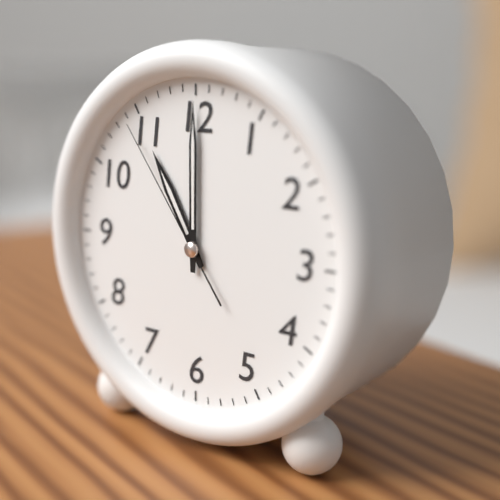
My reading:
h=11 m=0 s=54
